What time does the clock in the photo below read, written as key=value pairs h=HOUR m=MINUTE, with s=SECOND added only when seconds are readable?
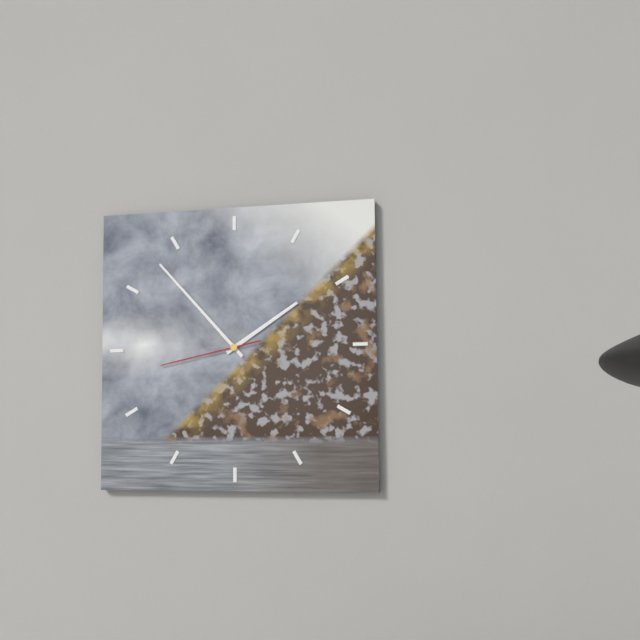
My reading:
h=1 m=53 s=43
